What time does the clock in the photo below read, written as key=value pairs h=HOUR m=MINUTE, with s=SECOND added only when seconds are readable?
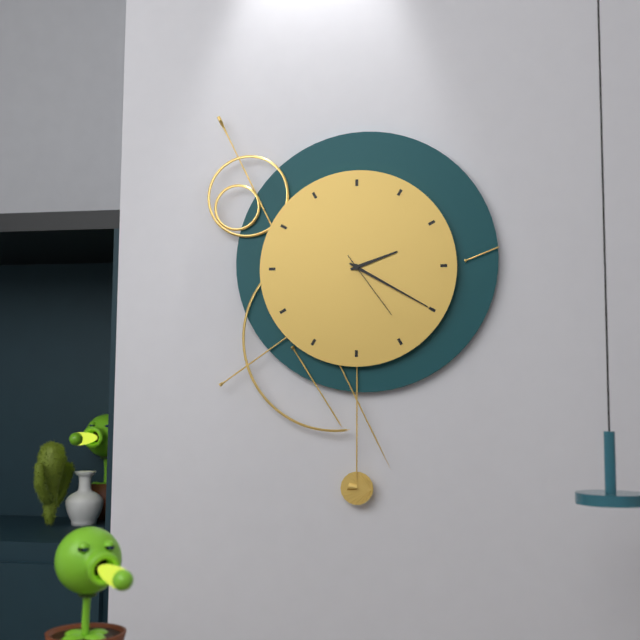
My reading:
h=2 m=20 s=24
